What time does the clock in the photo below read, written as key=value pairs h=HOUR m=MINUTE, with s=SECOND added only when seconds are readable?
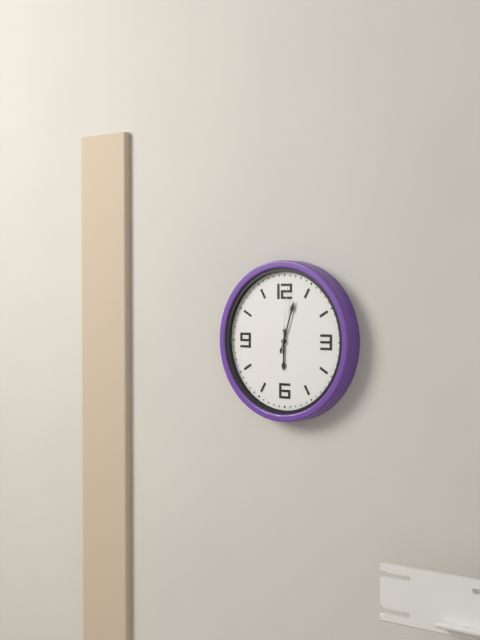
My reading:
h=6 m=3 s=1
